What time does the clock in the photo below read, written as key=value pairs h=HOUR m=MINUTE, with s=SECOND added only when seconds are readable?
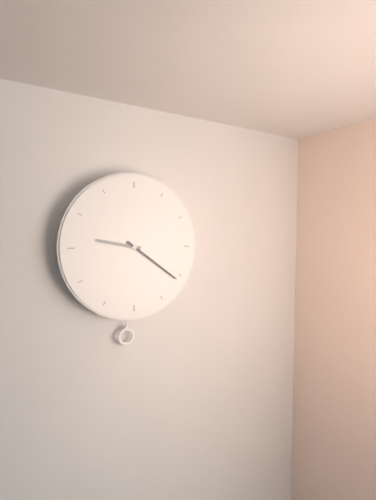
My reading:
h=9 m=21
